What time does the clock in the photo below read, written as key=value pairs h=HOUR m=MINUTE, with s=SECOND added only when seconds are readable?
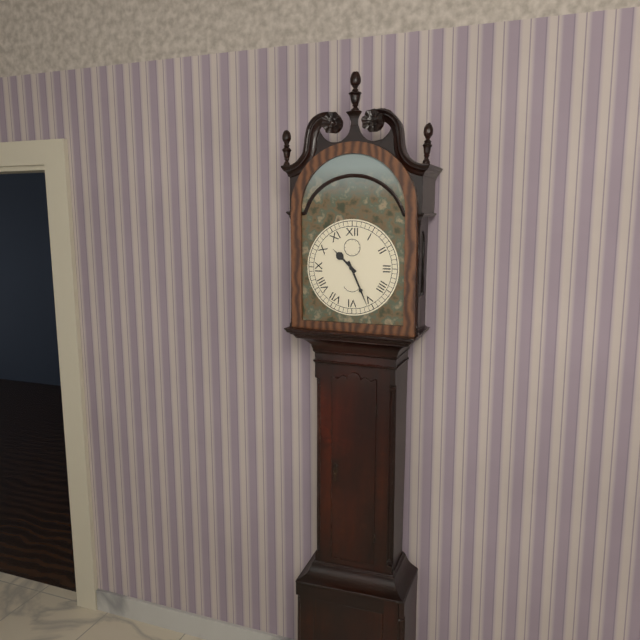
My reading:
h=10 m=26
